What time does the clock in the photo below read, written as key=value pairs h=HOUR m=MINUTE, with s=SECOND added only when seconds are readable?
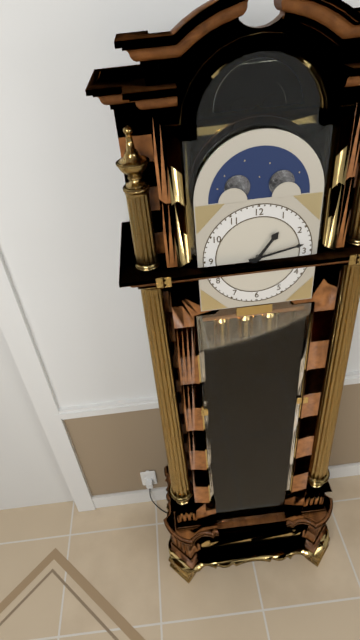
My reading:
h=1 m=13
